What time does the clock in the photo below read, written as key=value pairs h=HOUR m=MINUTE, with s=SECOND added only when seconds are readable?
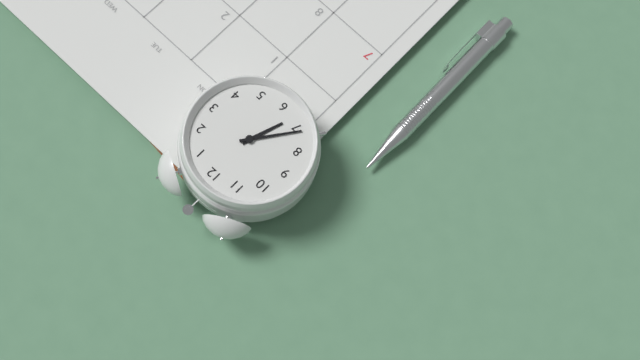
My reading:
h=6 m=36
